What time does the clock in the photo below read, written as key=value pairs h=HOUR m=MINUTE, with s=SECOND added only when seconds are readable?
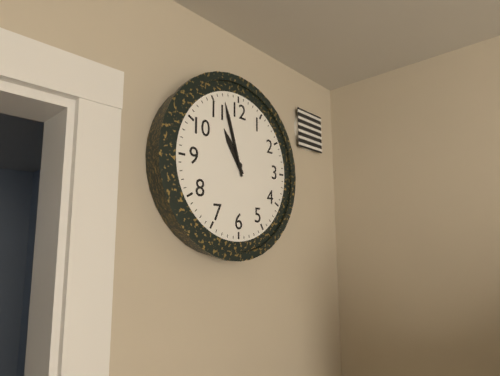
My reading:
h=10 m=57
